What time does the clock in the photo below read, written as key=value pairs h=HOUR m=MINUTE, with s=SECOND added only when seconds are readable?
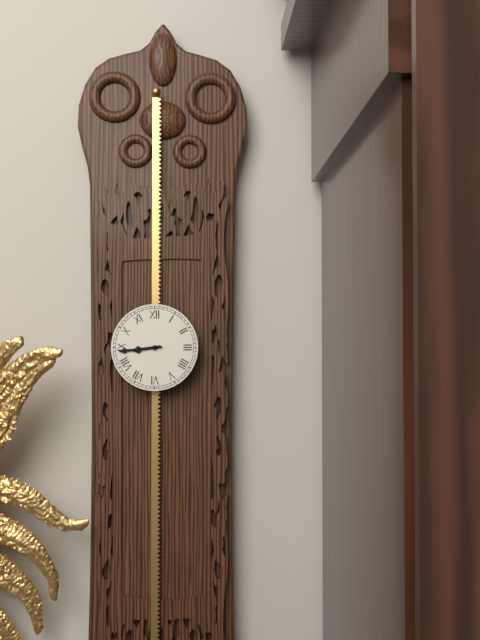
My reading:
h=8 m=44
